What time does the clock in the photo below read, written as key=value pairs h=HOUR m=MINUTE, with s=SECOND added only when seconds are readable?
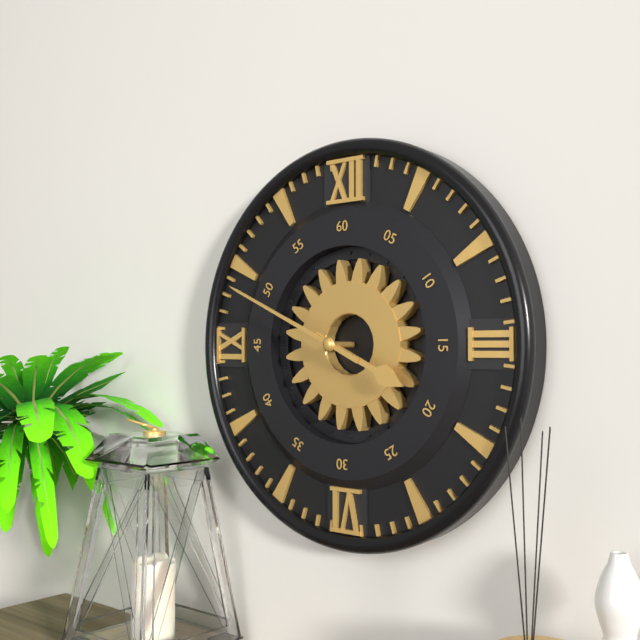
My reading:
h=3 m=49
